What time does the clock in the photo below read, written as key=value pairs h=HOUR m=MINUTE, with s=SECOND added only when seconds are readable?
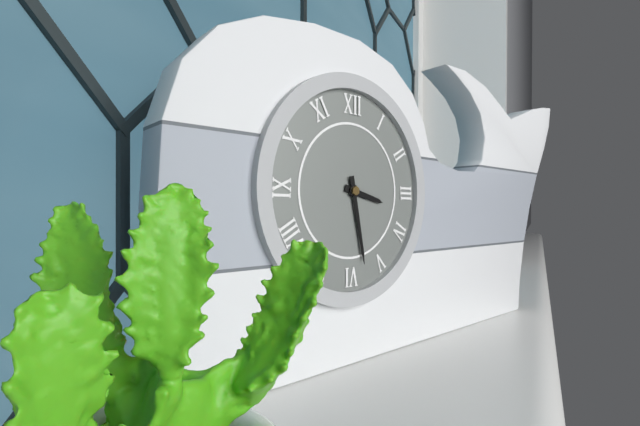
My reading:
h=3 m=28
